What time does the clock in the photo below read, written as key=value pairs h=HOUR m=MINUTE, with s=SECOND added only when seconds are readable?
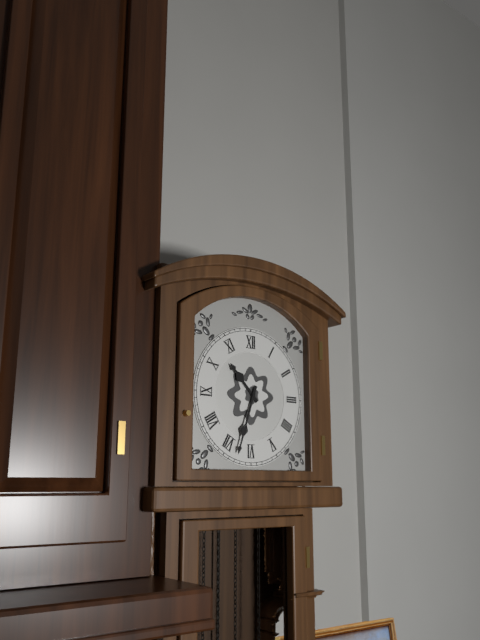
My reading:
h=10 m=33
